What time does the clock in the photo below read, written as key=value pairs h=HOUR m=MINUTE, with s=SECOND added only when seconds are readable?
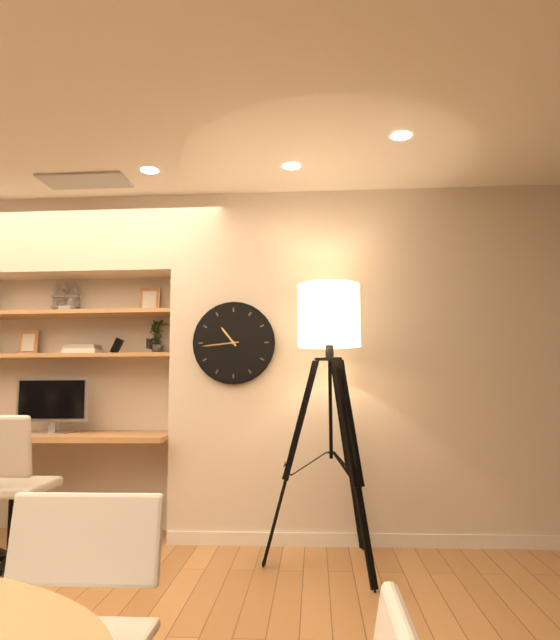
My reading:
h=10 m=44
